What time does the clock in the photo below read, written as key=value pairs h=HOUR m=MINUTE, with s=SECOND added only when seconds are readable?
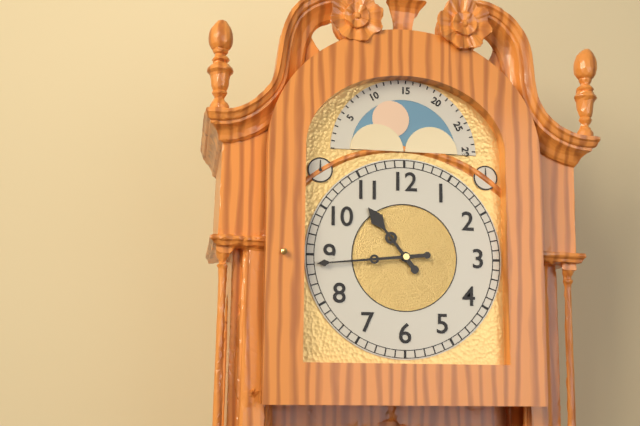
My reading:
h=10 m=44
